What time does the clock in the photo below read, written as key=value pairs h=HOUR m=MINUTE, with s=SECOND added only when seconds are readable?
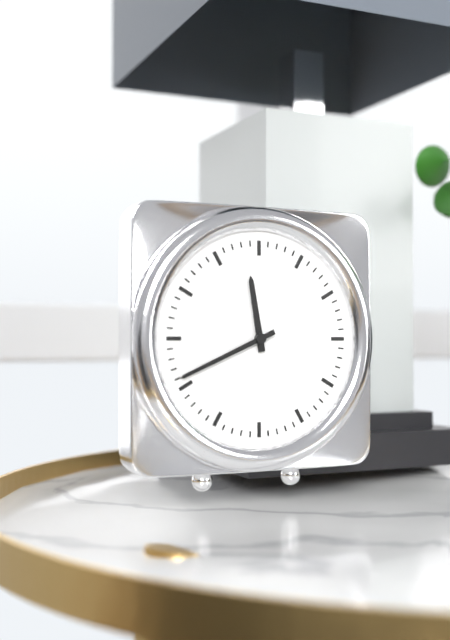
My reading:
h=11 m=41
